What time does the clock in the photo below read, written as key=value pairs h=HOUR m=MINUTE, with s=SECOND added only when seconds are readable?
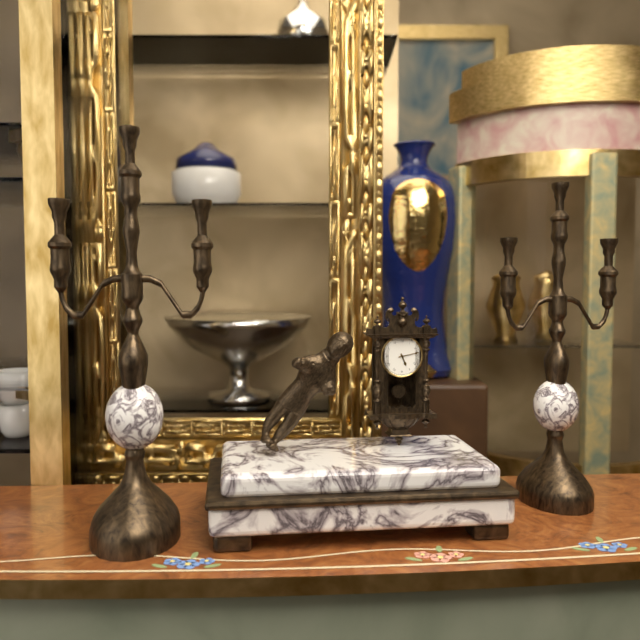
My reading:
h=5 m=13
